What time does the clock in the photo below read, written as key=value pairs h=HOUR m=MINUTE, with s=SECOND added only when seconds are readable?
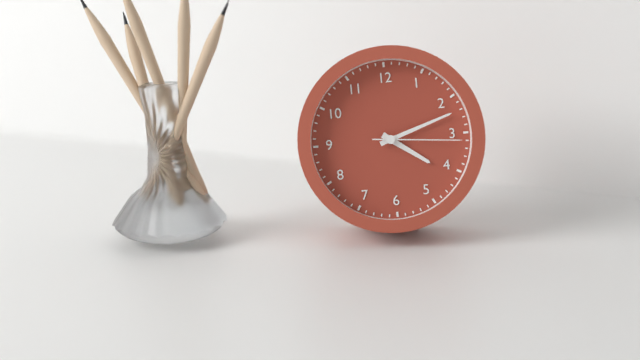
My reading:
h=4 m=12 s=16
